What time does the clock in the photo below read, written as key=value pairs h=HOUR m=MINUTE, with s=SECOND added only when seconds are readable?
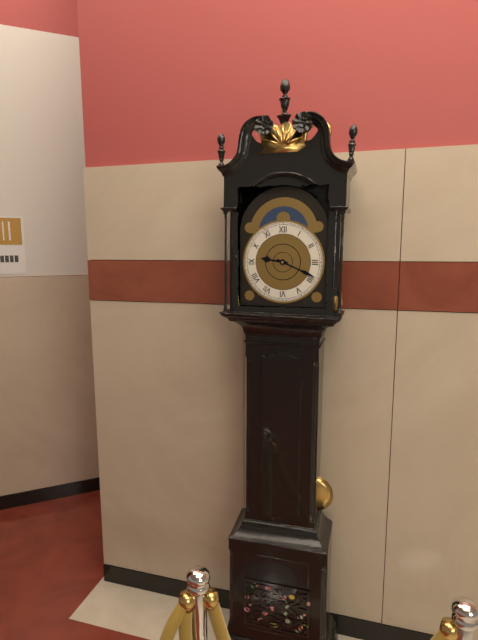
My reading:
h=9 m=19
